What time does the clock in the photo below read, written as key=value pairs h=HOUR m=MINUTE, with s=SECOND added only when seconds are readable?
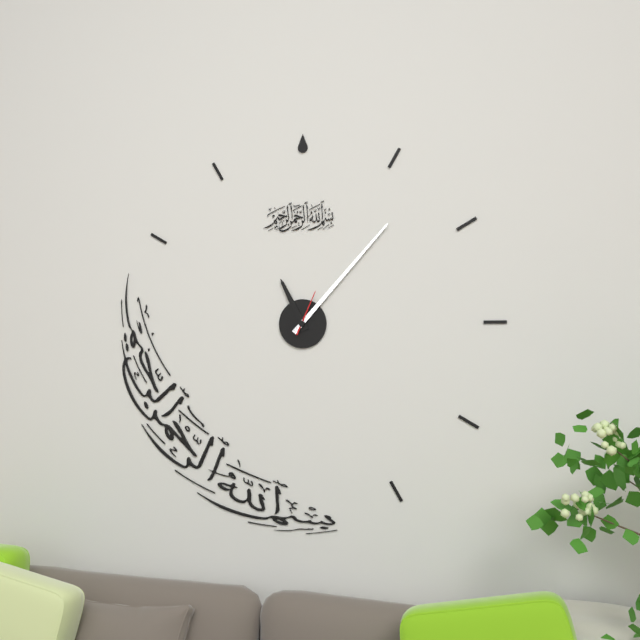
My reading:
h=11 m=7
